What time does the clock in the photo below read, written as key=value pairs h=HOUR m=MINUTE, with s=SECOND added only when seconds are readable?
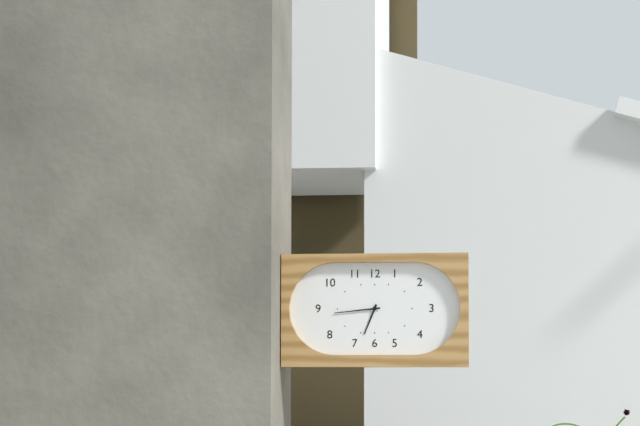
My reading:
h=6 m=44
